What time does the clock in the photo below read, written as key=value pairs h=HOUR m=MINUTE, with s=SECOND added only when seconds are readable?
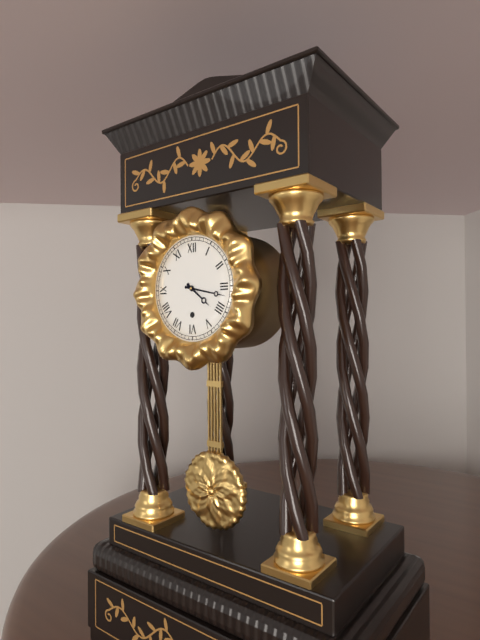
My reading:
h=4 m=17
